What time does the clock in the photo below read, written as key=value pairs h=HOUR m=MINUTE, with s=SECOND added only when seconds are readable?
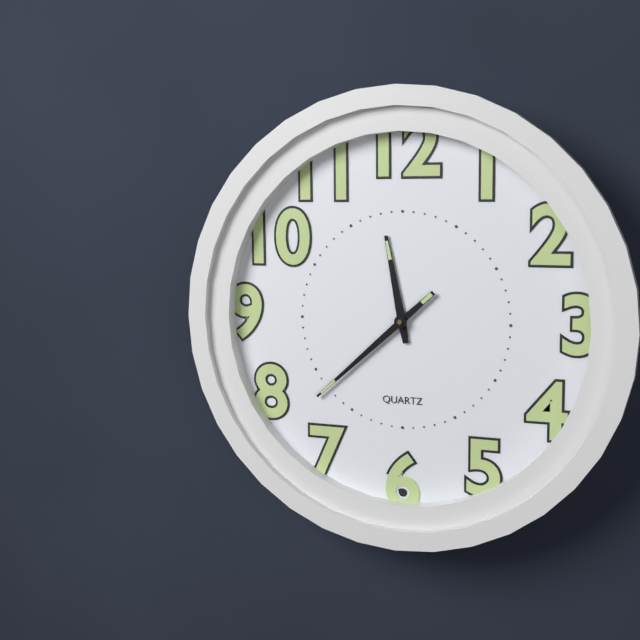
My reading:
h=11 m=38
